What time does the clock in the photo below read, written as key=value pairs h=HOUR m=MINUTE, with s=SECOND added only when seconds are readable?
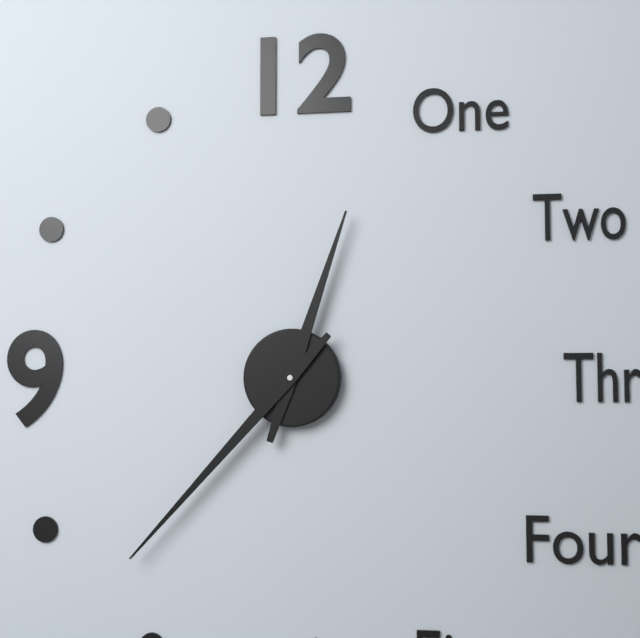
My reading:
h=12 m=37
